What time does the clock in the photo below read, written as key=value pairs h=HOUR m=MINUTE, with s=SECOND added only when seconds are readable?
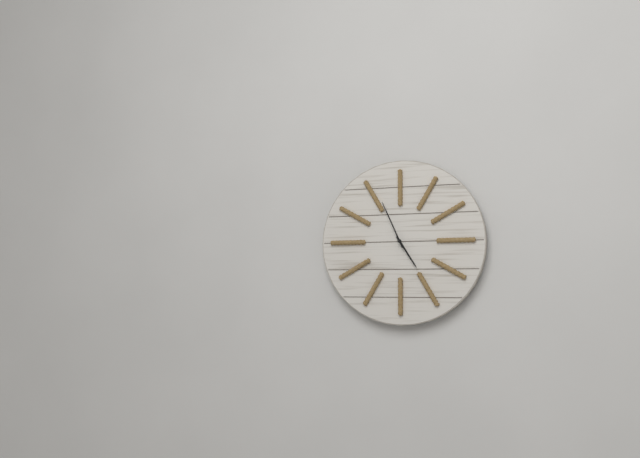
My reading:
h=4 m=56
